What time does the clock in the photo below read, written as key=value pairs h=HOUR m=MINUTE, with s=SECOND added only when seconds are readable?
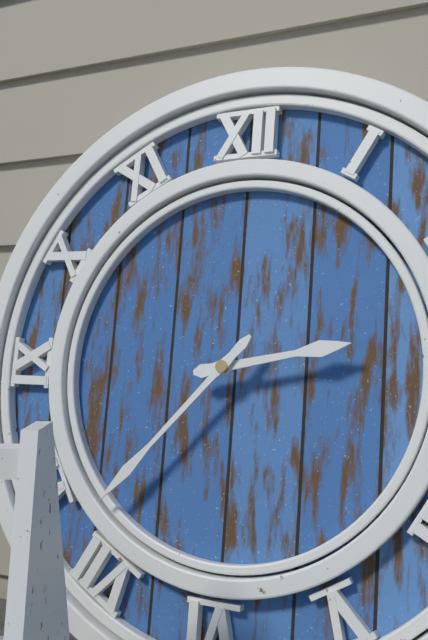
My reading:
h=2 m=37
